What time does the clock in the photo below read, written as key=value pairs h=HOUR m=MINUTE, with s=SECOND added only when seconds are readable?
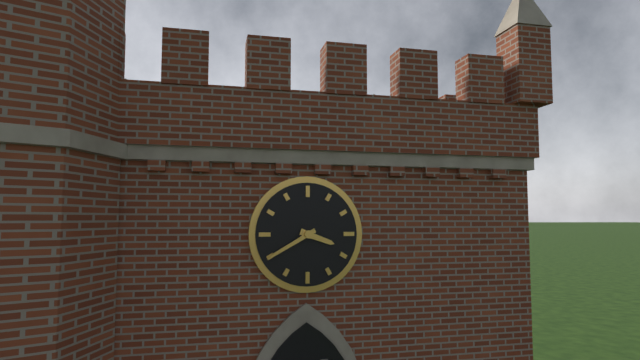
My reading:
h=3 m=40
